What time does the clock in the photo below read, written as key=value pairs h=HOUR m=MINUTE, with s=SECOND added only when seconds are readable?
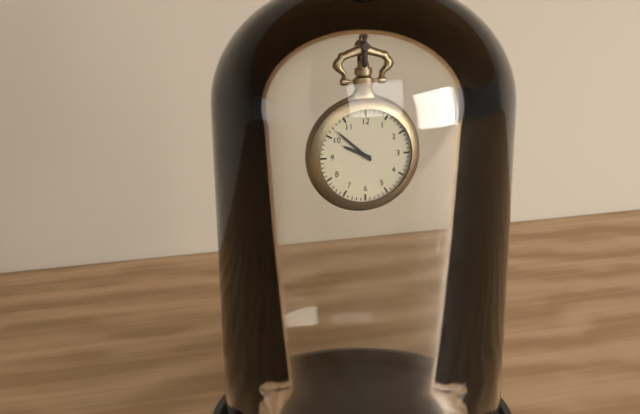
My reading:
h=9 m=52
